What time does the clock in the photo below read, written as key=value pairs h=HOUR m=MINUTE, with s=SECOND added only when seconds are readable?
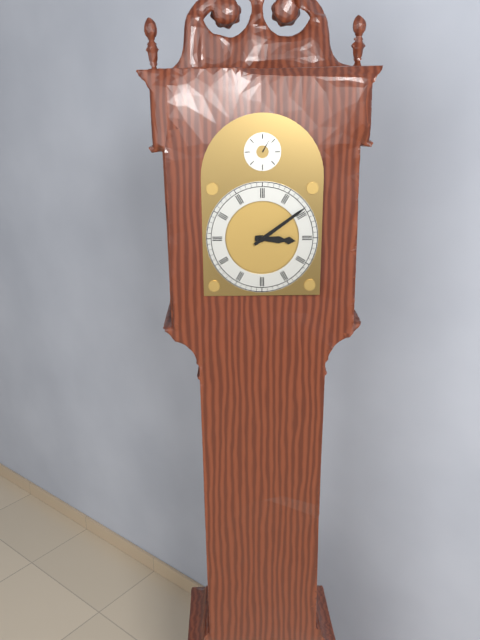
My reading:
h=3 m=9
